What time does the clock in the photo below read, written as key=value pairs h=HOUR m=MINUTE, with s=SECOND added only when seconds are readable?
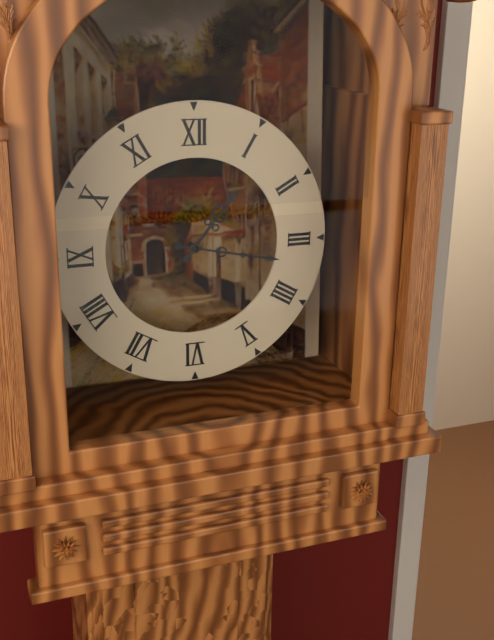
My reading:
h=1 m=17
